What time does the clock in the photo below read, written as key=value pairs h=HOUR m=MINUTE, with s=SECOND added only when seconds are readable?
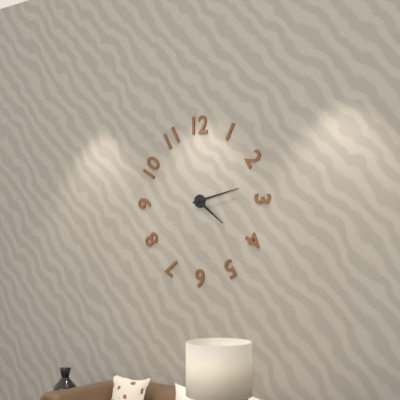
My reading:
h=4 m=13
